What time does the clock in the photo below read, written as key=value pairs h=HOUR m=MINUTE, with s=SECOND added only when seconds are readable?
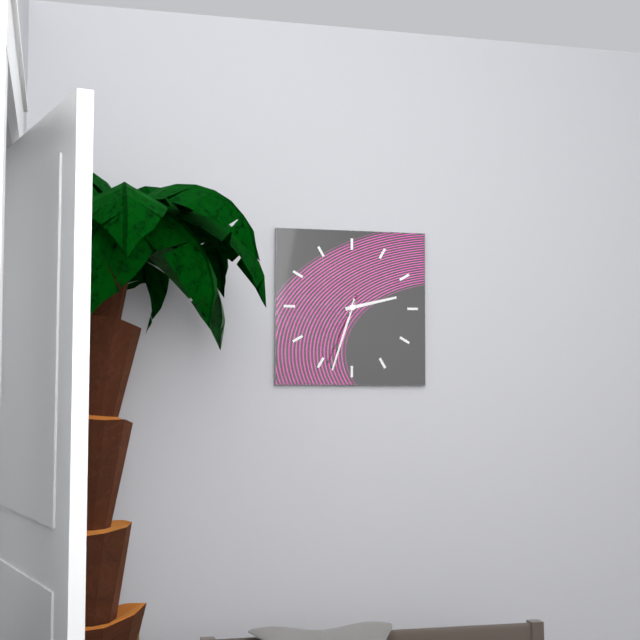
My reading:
h=2 m=33 s=34
